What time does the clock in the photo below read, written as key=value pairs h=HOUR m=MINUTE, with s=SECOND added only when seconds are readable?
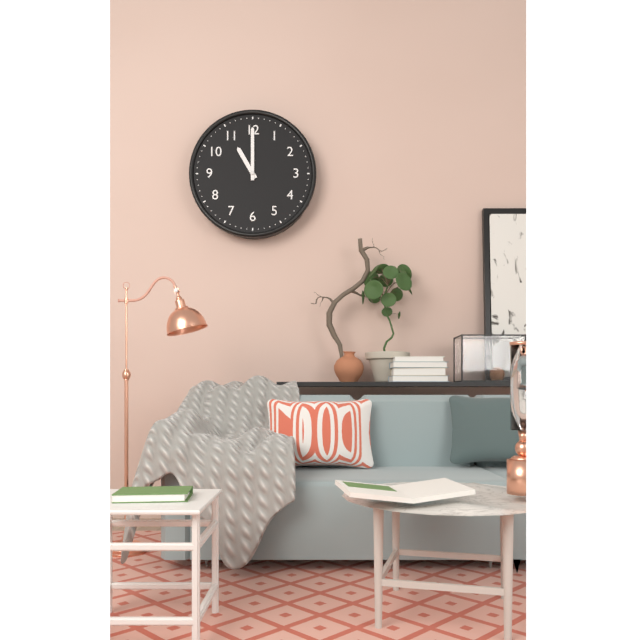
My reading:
h=11 m=0
